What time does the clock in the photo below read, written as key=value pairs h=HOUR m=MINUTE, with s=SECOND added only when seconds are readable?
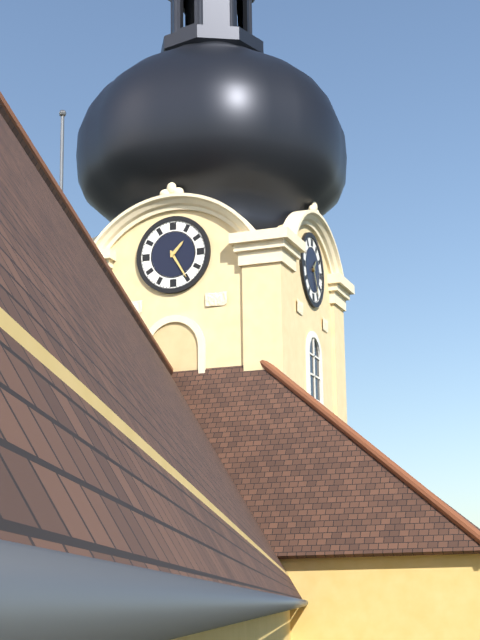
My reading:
h=1 m=25
